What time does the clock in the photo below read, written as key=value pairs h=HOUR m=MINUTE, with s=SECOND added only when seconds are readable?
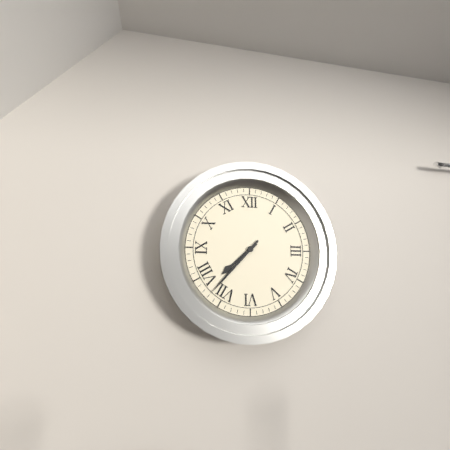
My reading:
h=7 m=37
